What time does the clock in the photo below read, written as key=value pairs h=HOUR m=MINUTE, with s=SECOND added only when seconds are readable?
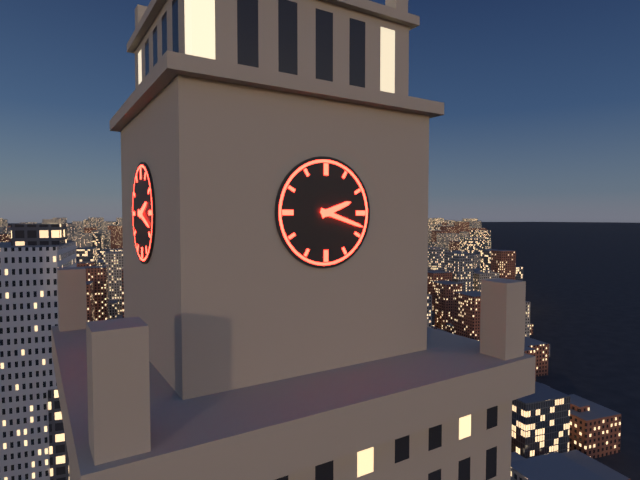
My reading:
h=2 m=18
